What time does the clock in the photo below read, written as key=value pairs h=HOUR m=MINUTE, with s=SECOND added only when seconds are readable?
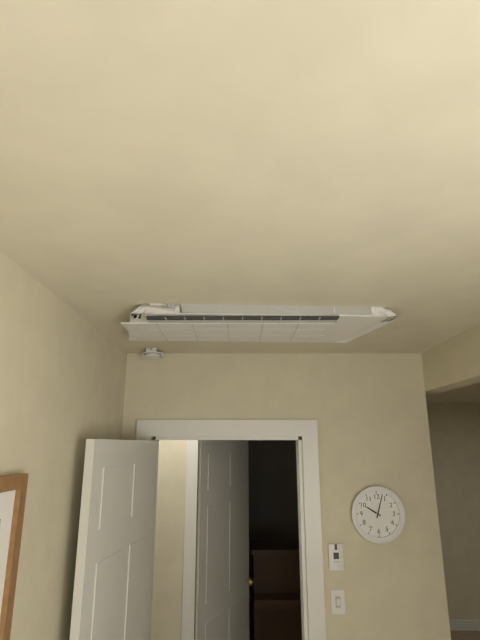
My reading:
h=10 m=3
